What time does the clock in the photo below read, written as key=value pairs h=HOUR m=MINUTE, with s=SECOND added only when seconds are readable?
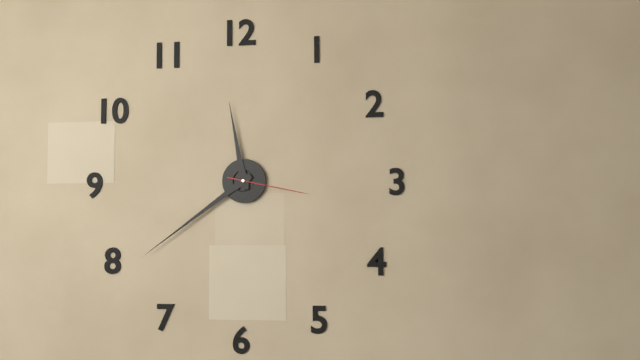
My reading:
h=11 m=39 s=17
